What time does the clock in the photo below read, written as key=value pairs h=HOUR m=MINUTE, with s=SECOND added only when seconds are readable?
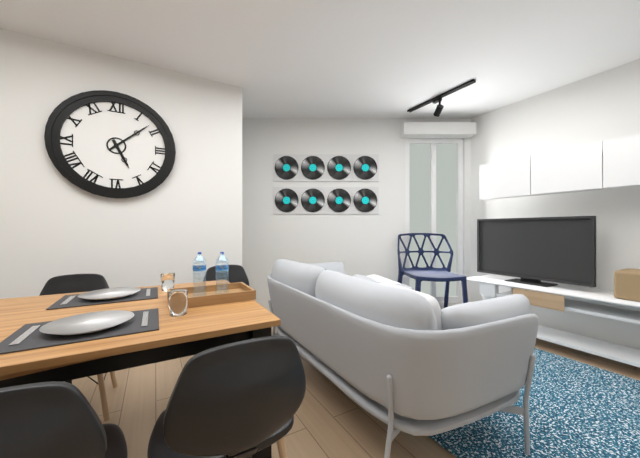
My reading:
h=5 m=8
